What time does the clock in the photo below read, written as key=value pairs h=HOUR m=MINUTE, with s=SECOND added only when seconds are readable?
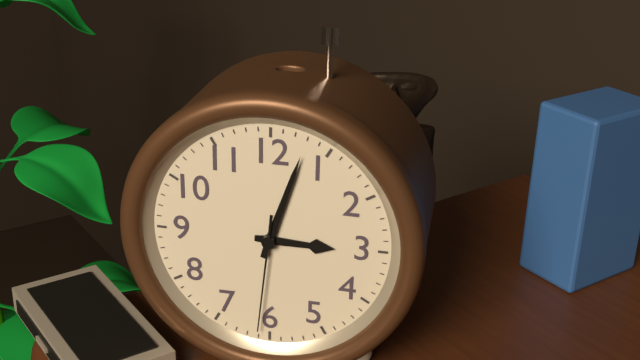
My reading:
h=3 m=3 s=31
